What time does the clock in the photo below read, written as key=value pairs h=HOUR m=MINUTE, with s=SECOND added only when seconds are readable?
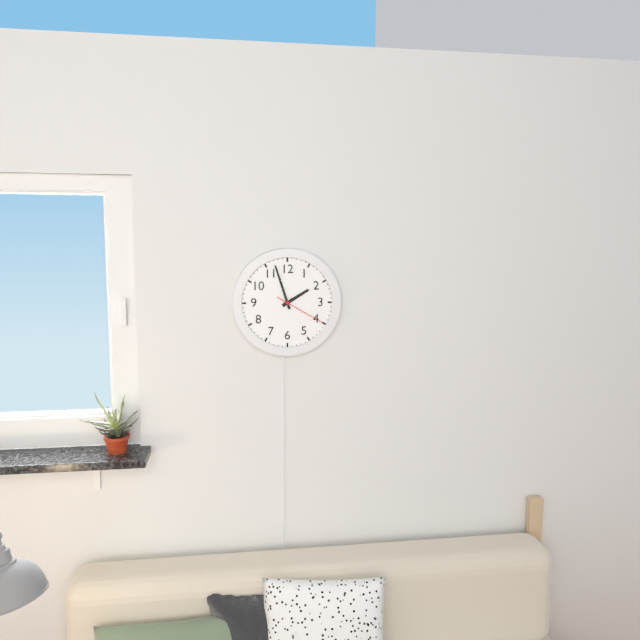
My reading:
h=1 m=57 s=20
